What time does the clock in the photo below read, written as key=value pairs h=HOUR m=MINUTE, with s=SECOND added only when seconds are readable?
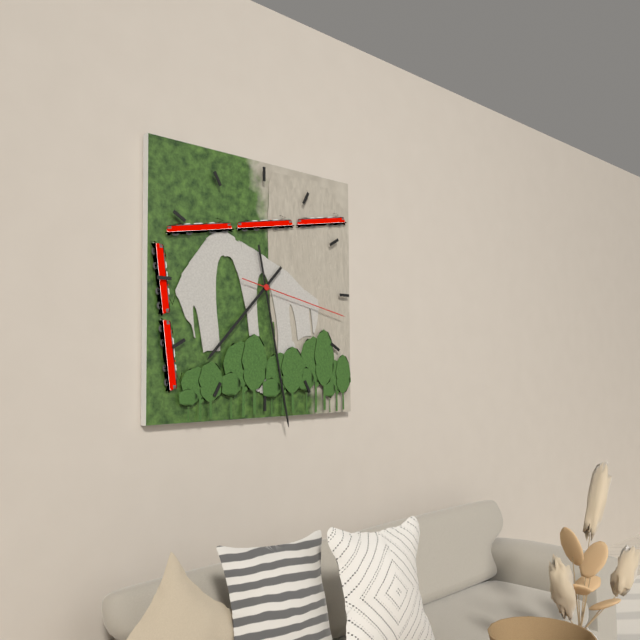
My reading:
h=7 m=28 s=17
